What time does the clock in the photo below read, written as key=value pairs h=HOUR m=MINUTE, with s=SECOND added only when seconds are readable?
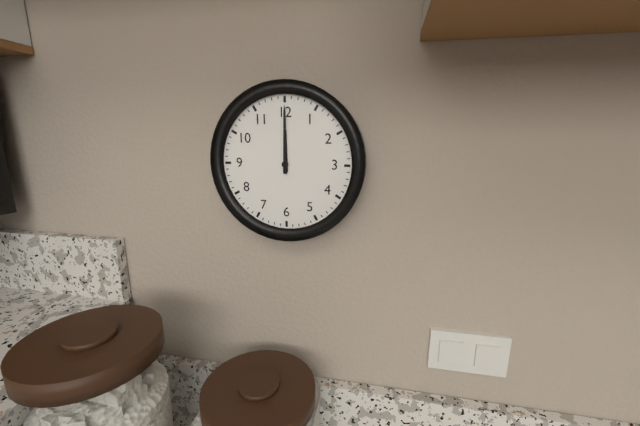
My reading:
h=12 m=0
